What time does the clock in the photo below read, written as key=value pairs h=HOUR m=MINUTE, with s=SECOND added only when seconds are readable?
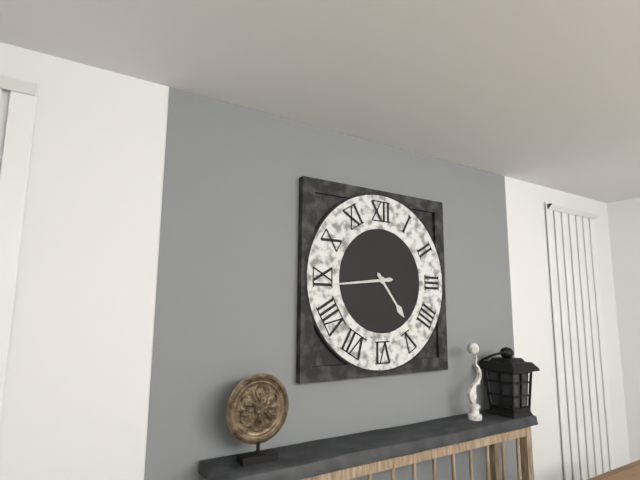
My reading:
h=4 m=44
